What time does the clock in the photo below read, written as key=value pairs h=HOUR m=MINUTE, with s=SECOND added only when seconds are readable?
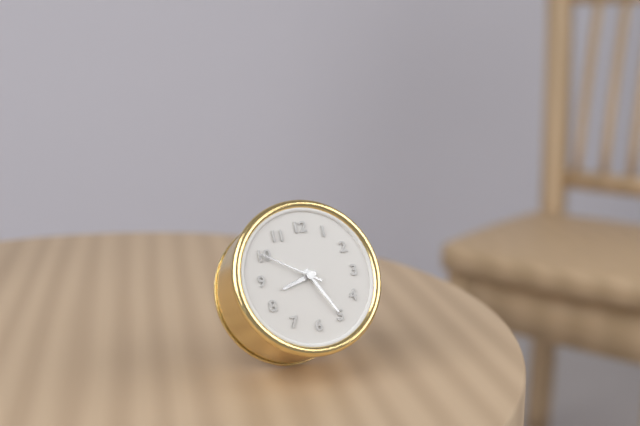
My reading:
h=8 m=25 s=50
